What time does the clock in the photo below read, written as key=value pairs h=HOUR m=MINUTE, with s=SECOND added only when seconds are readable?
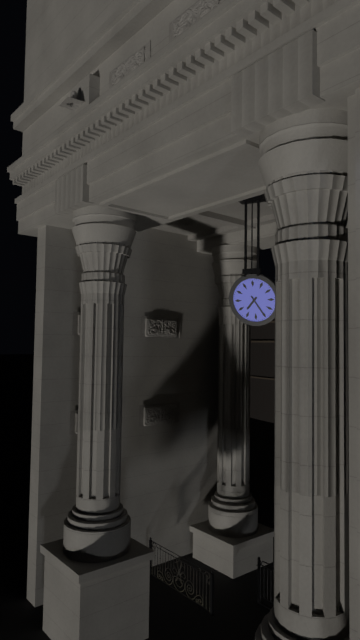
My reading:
h=7 m=25
